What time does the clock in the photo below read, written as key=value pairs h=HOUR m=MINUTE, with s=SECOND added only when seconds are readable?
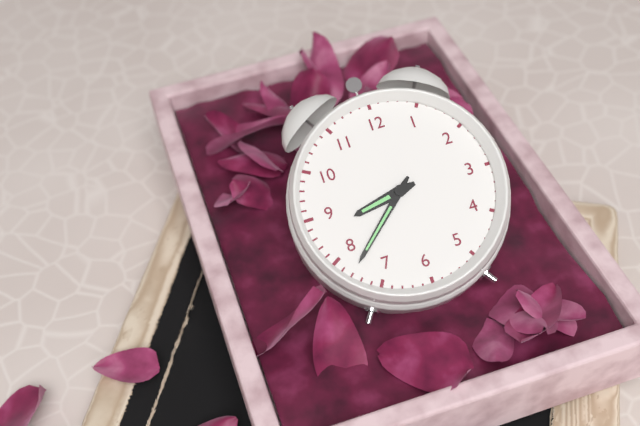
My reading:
h=8 m=38
